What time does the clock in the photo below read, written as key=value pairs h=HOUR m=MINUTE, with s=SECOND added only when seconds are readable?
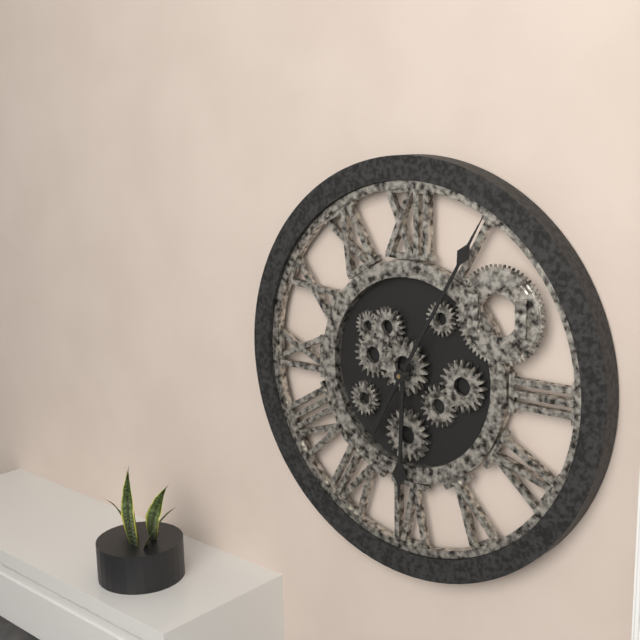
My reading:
h=6 m=5
